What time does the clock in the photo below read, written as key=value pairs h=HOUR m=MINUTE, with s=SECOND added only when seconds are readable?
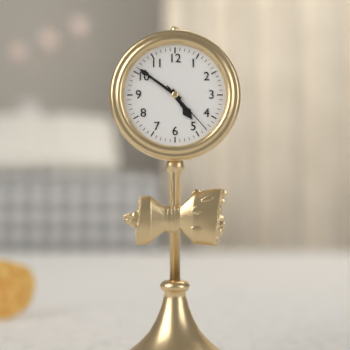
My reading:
h=4 m=51 s=23
